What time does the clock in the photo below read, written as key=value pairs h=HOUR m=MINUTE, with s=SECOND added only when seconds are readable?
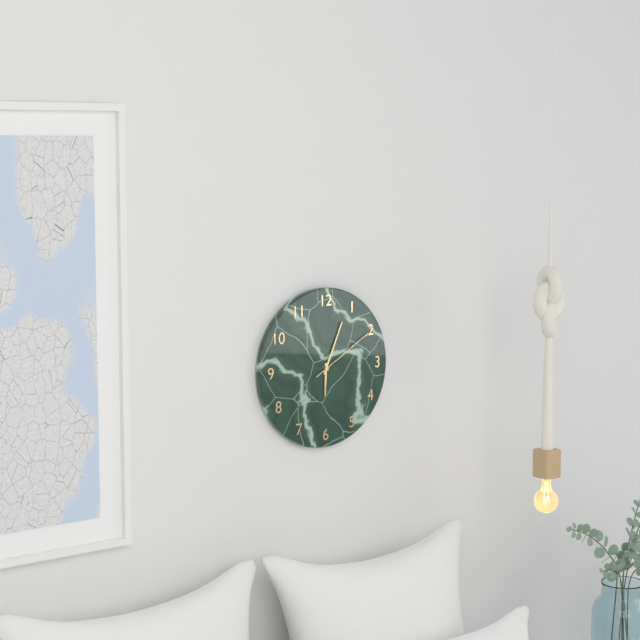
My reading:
h=6 m=4 s=10
